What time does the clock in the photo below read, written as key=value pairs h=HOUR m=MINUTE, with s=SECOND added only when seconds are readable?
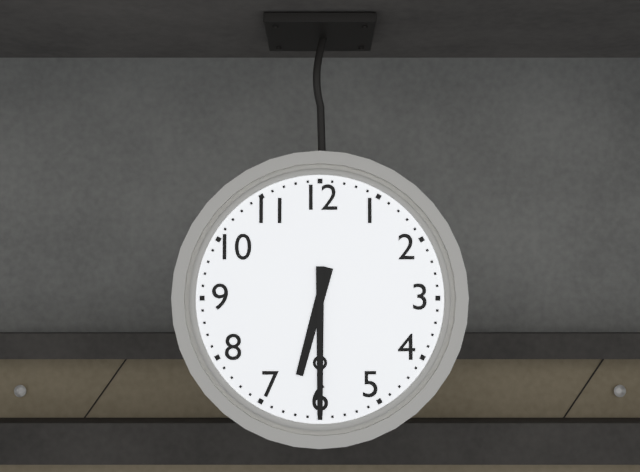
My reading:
h=6 m=30
